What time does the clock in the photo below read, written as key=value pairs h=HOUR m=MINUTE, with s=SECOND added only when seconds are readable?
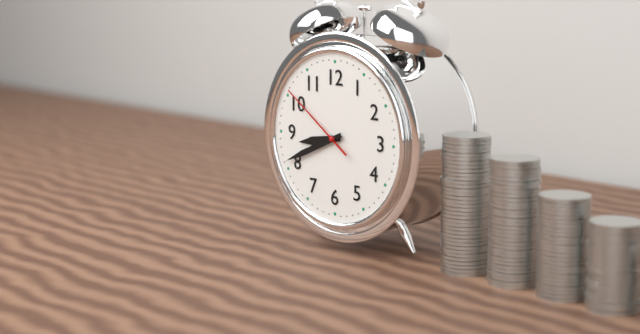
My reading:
h=8 m=41 s=51
